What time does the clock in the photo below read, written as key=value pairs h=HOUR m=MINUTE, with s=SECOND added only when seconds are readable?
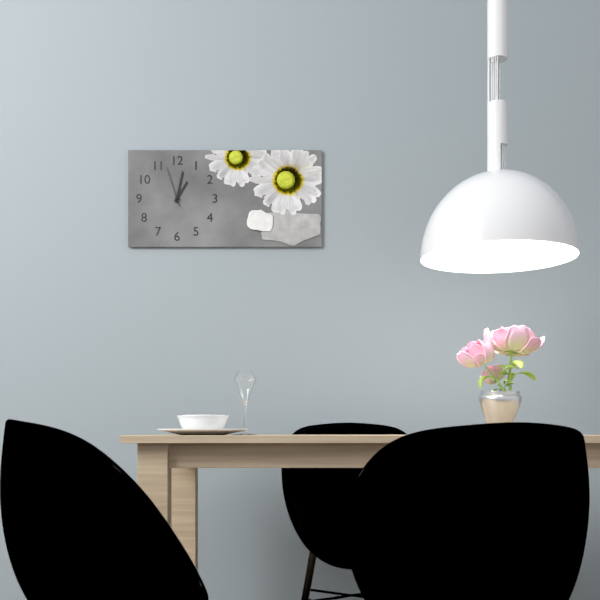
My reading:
h=1 m=2
